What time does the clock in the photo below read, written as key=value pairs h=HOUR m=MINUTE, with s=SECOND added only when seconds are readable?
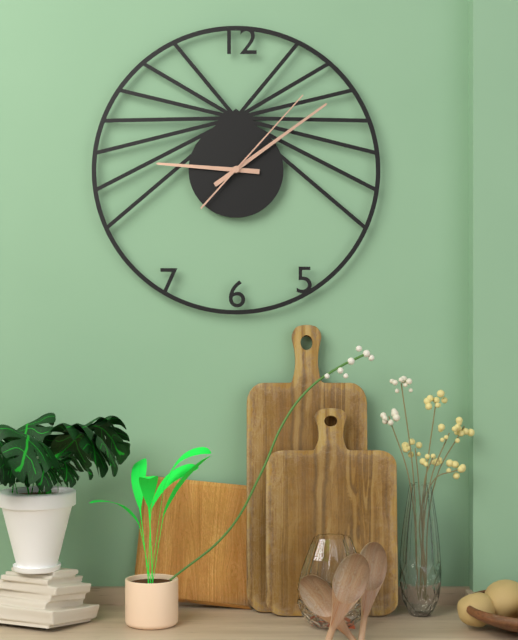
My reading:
h=9 m=9 s=7
